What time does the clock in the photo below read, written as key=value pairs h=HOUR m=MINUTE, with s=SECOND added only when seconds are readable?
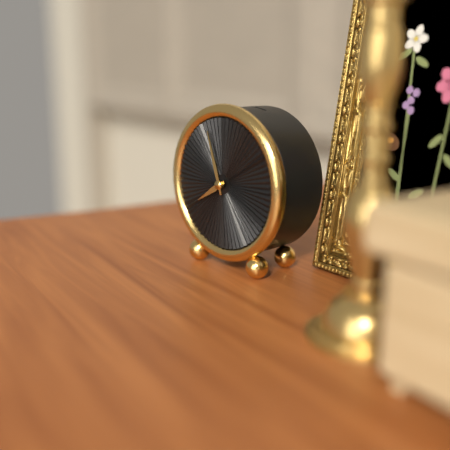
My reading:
h=7 m=57
